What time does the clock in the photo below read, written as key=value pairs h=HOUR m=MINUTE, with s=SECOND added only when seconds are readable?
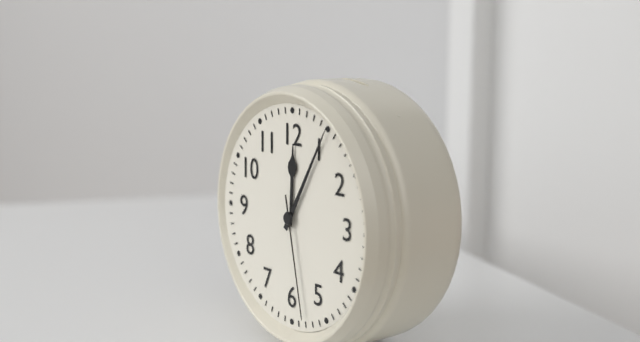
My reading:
h=12 m=5 s=28
